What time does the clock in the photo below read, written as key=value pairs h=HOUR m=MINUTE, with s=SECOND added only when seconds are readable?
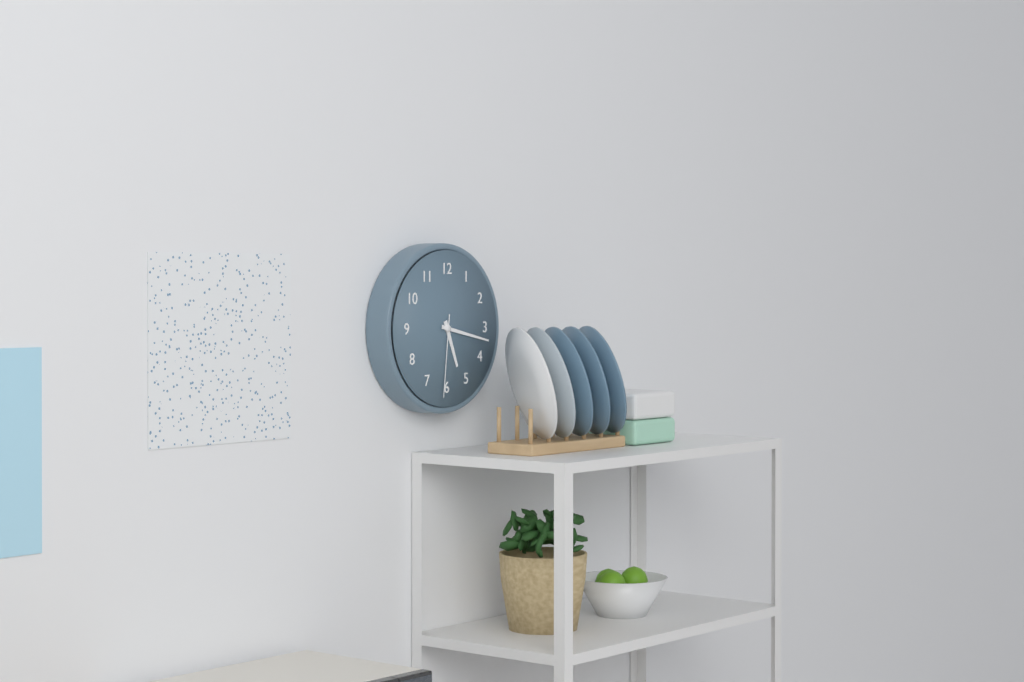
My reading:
h=5 m=17 s=31
